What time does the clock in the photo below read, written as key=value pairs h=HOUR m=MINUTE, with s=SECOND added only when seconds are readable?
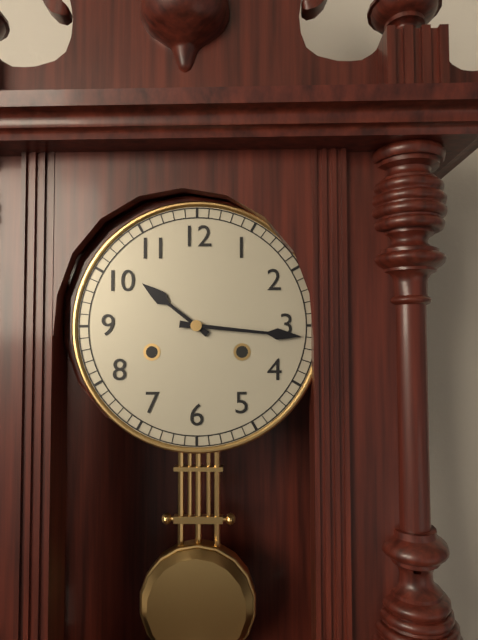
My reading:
h=10 m=16
